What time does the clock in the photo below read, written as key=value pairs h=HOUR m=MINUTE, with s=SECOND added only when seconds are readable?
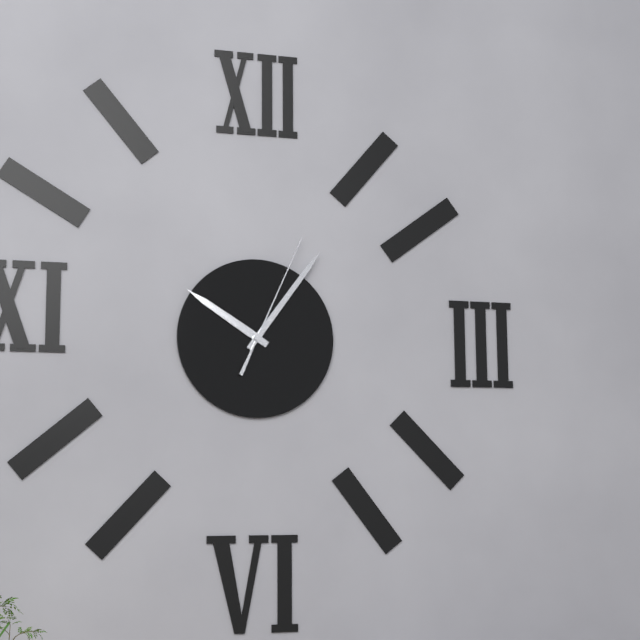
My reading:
h=10 m=6 s=4
